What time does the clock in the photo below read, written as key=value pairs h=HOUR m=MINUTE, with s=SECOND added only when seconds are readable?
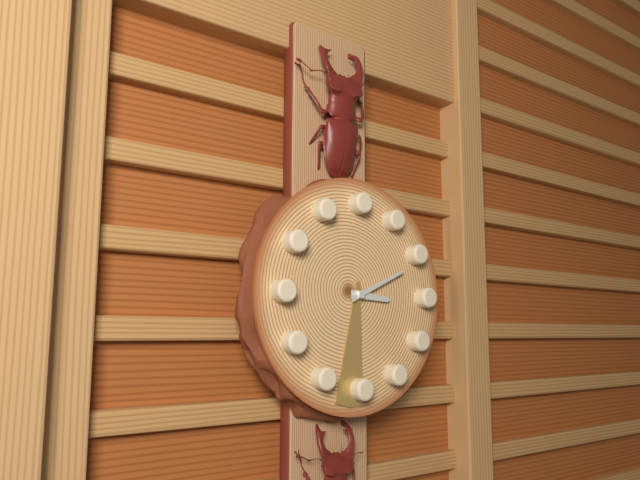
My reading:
h=3 m=11 s=31
